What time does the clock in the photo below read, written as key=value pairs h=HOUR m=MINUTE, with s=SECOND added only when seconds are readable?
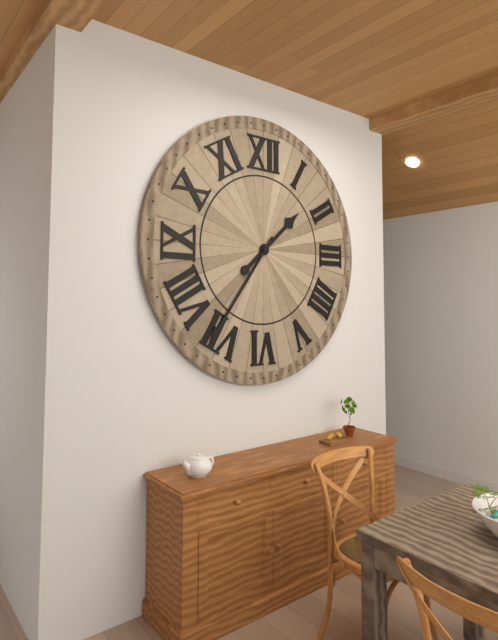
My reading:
h=1 m=36
